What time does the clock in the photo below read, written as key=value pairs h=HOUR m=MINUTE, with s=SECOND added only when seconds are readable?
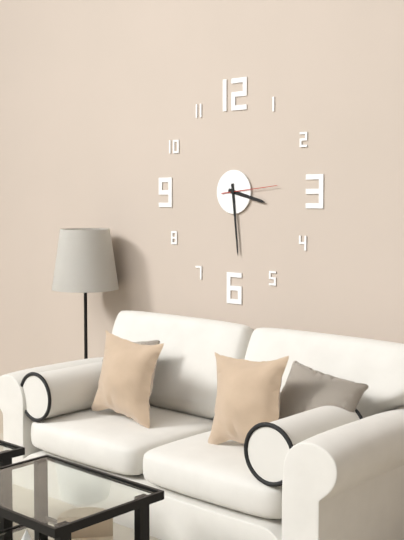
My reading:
h=3 m=29 s=14
